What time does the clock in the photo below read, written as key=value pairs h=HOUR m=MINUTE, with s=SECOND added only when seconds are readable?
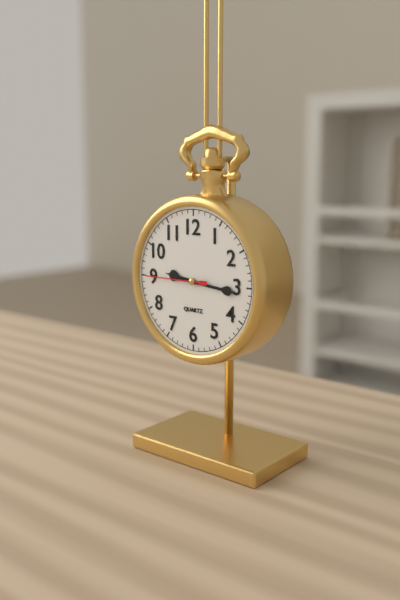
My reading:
h=9 m=16 s=45
